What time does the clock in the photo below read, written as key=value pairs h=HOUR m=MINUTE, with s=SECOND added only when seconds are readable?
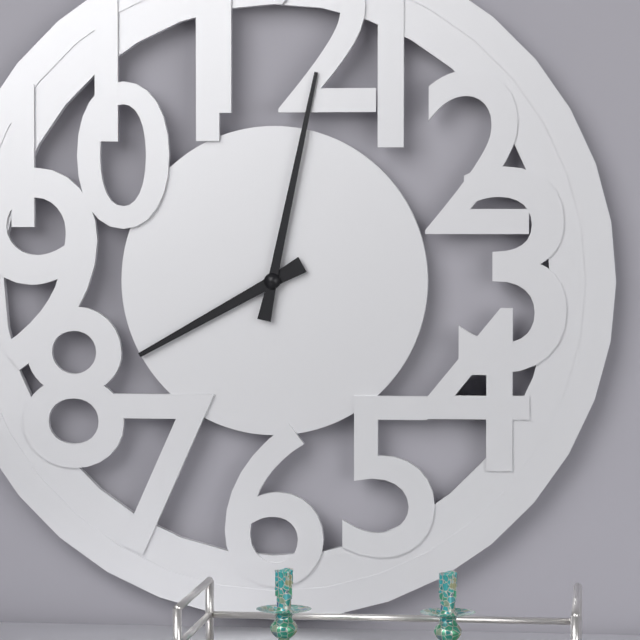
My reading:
h=8 m=2
